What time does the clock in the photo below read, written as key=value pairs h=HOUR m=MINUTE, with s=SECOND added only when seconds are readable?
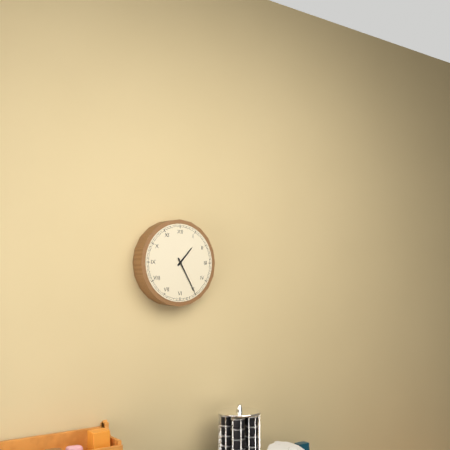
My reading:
h=1 m=25
